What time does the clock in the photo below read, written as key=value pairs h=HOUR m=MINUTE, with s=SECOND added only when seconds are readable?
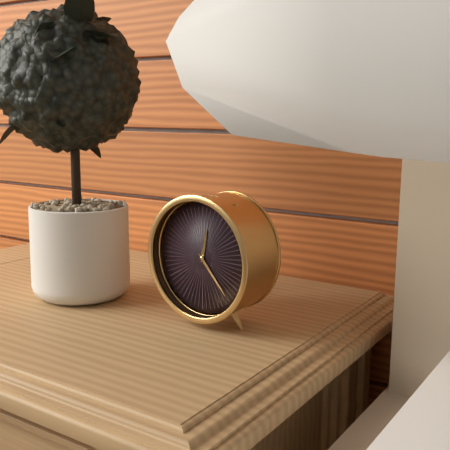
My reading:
h=12 m=23
